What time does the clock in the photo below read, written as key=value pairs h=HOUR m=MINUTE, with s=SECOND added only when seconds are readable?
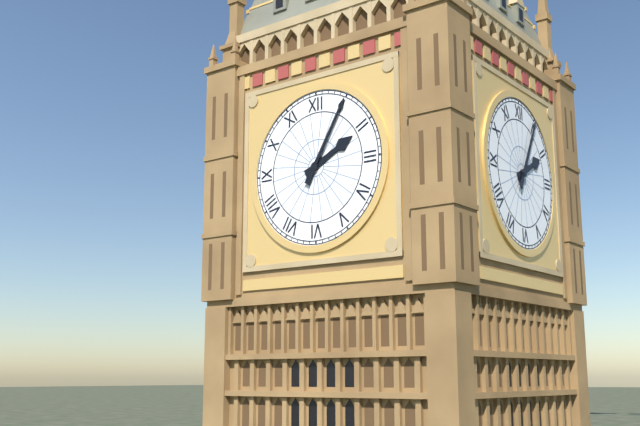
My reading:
h=2 m=5
